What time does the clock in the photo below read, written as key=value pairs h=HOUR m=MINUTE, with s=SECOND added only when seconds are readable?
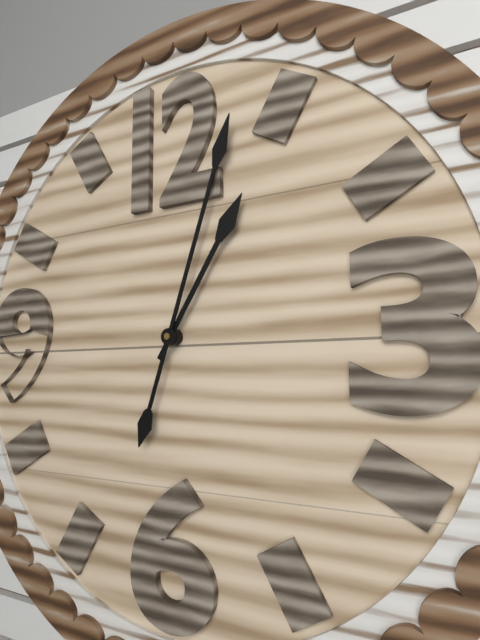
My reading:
h=1 m=3
